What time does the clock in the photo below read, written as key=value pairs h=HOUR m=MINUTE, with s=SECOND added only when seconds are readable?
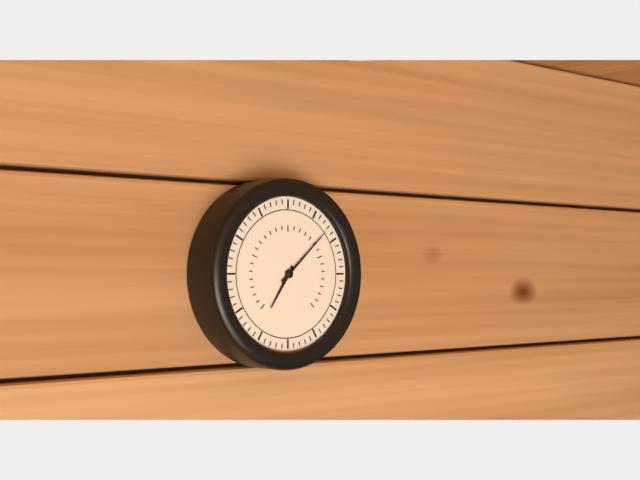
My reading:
h=7 m=8
